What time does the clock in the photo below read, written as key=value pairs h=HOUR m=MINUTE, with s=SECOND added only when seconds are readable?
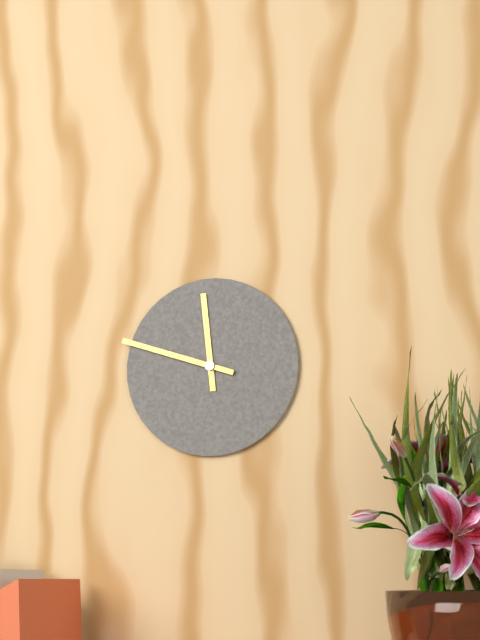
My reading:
h=11 m=48
